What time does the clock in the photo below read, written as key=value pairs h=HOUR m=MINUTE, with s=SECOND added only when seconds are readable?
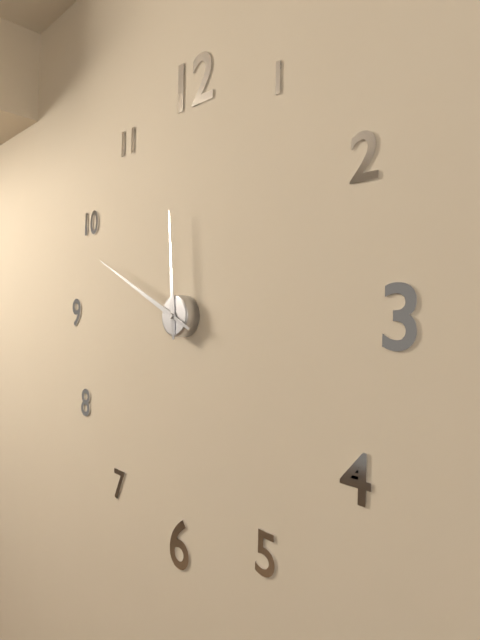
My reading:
h=11 m=49
